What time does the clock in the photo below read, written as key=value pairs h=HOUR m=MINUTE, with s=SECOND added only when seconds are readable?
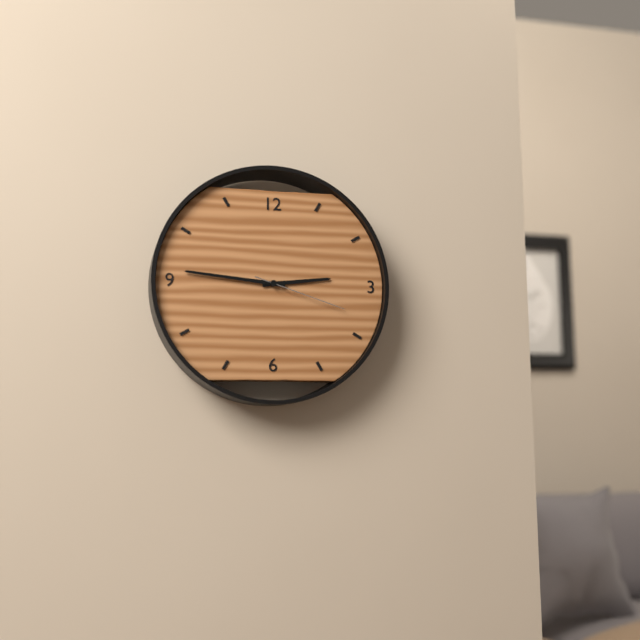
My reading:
h=2 m=46 s=18
